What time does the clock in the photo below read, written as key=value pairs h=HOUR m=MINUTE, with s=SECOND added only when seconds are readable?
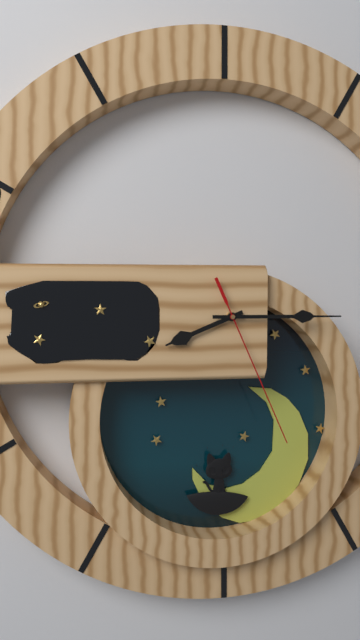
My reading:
h=8 m=15 s=26
